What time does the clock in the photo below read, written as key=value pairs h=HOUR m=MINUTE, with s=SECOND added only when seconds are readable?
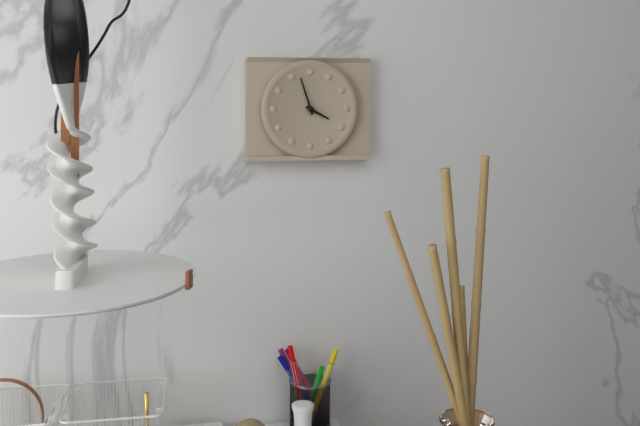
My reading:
h=3 m=57
